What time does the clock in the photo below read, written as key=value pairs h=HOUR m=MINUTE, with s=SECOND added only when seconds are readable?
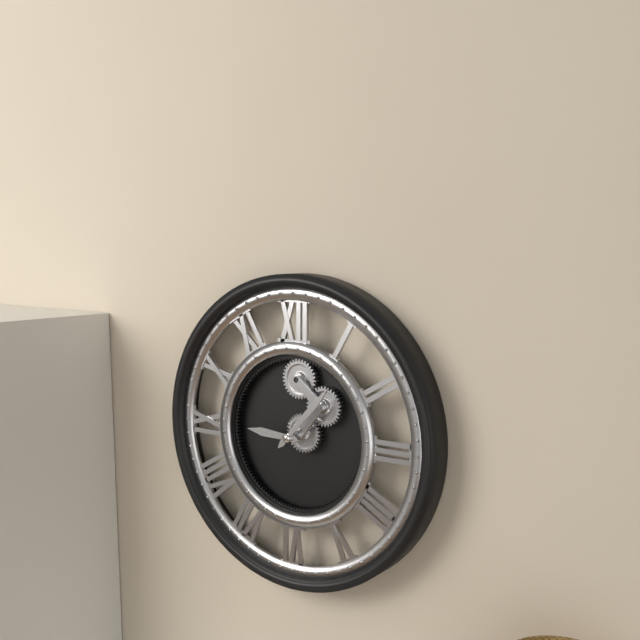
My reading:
h=9 m=7
